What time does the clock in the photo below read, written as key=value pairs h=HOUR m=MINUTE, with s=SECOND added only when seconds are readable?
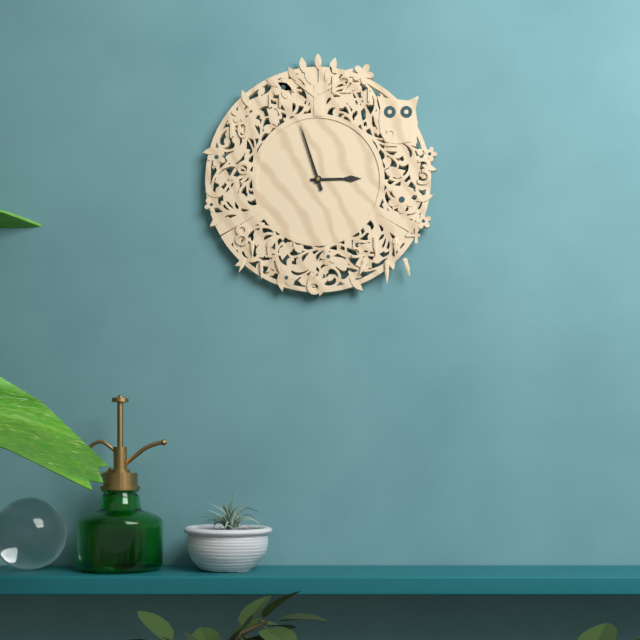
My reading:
h=2 m=57
